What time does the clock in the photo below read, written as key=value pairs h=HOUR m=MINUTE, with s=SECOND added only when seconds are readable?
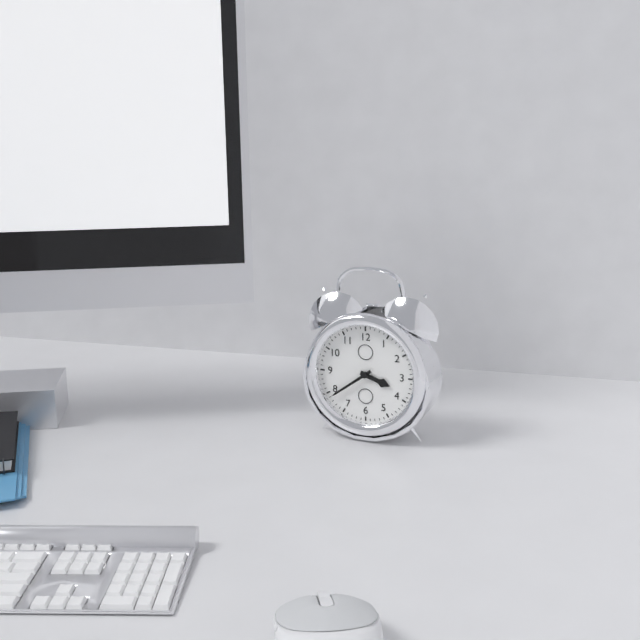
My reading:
h=3 m=39
